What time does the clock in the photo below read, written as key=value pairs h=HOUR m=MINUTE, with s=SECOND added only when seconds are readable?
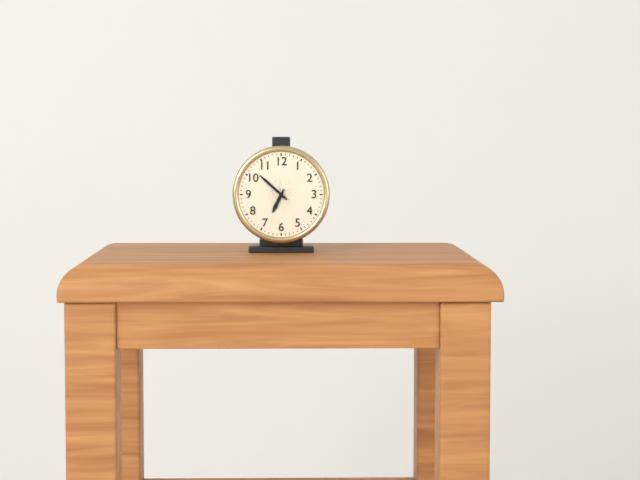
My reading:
h=6 m=52
